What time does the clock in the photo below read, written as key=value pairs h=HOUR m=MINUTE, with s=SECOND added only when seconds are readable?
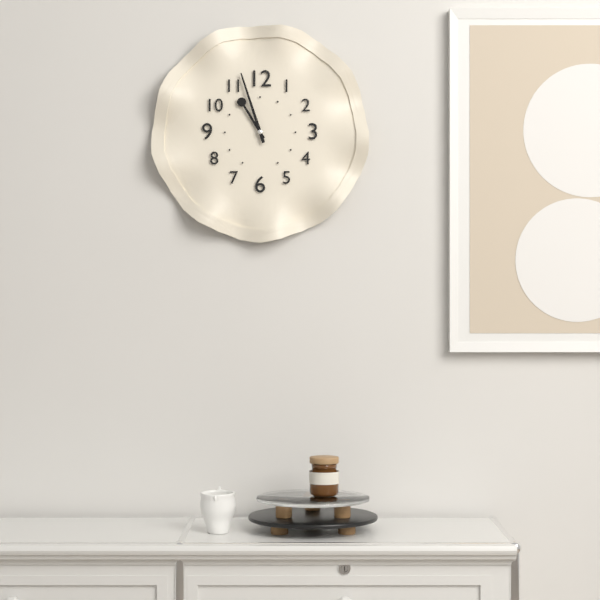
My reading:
h=10 m=57
